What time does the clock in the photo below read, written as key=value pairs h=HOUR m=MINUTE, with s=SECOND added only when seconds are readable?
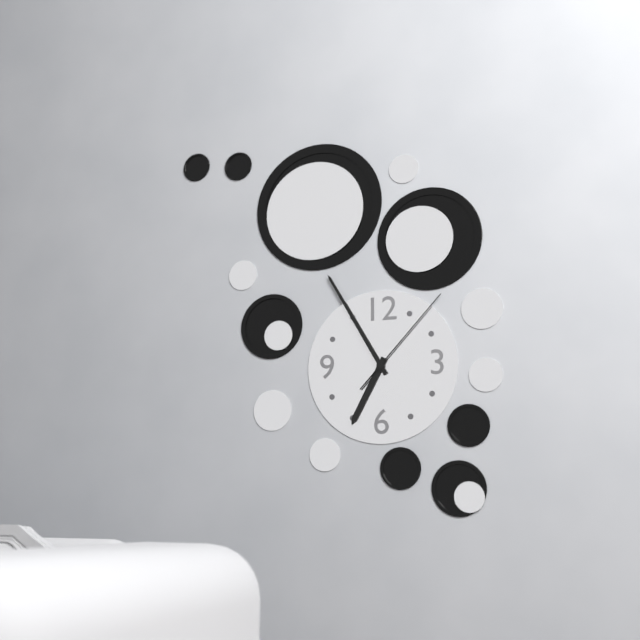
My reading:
h=6 m=55 s=7
